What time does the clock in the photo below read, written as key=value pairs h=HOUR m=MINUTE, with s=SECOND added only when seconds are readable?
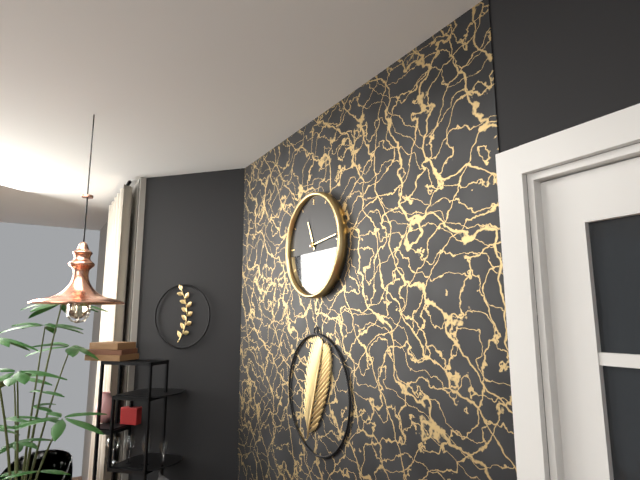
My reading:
h=11 m=14
